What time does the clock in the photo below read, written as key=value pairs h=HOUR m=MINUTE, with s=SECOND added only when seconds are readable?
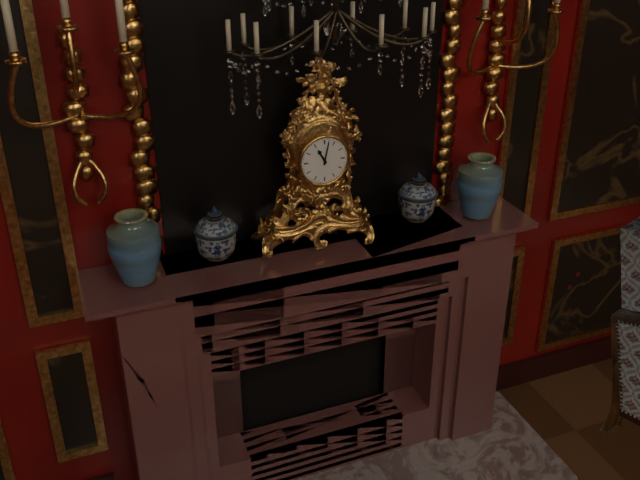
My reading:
h=11 m=2
